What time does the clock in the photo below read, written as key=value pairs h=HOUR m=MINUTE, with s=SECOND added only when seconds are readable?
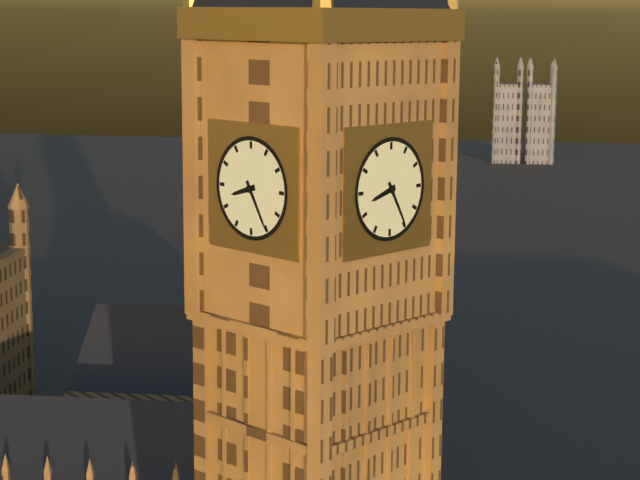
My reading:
h=8 m=25
